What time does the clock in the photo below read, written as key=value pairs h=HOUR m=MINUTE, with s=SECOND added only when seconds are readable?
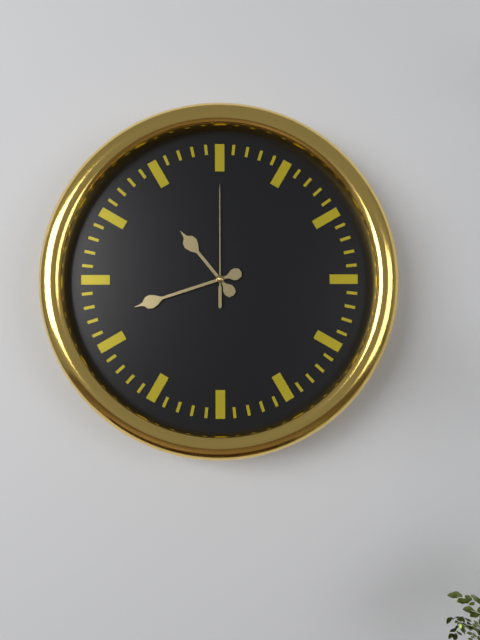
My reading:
h=10 m=42 s=0
